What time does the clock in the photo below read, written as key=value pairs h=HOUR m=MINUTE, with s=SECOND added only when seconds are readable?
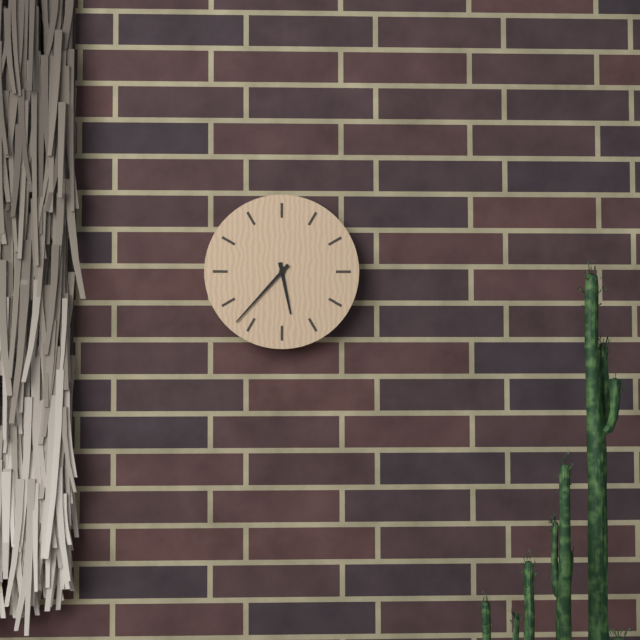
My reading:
h=5 m=37
